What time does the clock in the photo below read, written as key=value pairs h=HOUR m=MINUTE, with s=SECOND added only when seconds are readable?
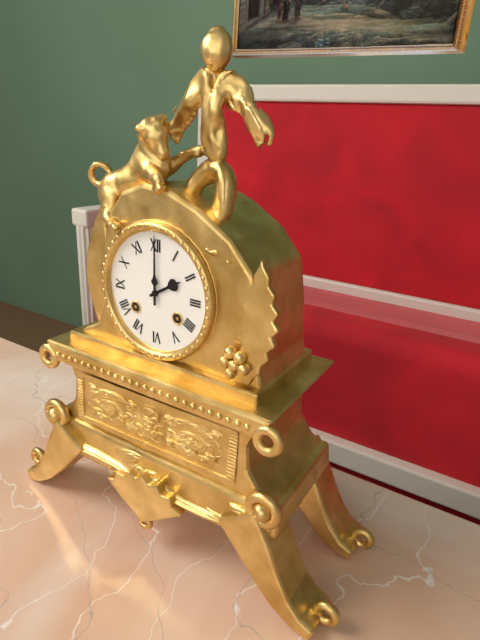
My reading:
h=2 m=0
